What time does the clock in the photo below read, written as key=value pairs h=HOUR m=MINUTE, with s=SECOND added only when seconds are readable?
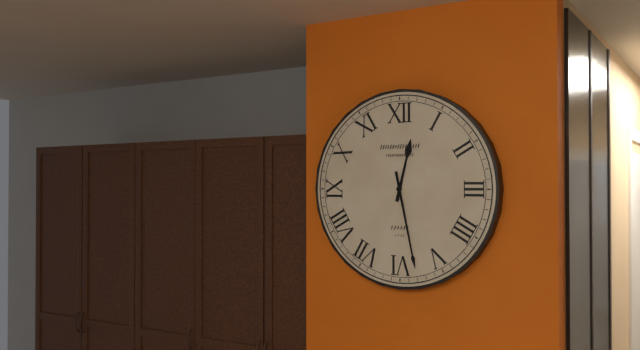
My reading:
h=12 m=28
